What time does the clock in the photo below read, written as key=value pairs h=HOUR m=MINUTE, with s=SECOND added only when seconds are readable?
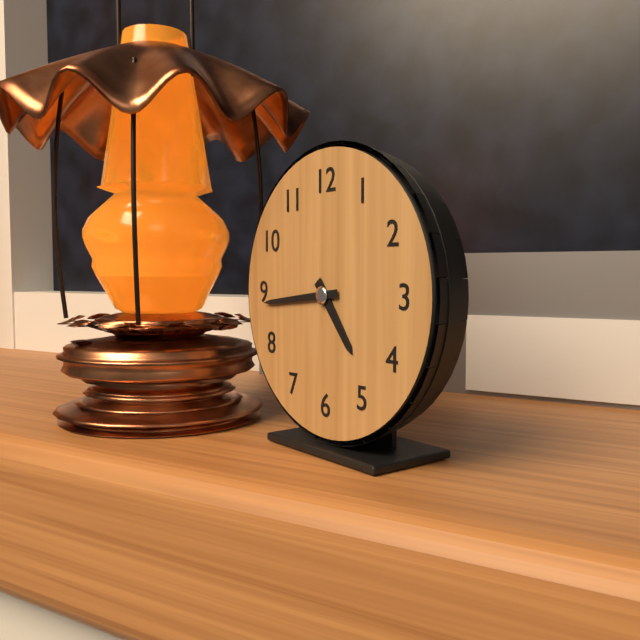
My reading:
h=4 m=44
